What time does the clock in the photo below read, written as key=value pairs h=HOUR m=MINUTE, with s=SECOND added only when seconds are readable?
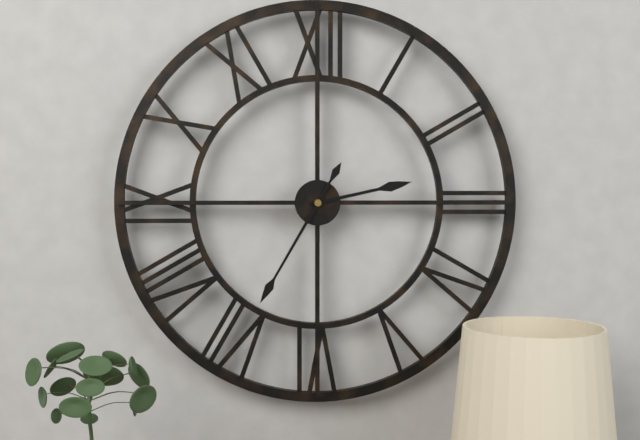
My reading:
h=2 m=35
